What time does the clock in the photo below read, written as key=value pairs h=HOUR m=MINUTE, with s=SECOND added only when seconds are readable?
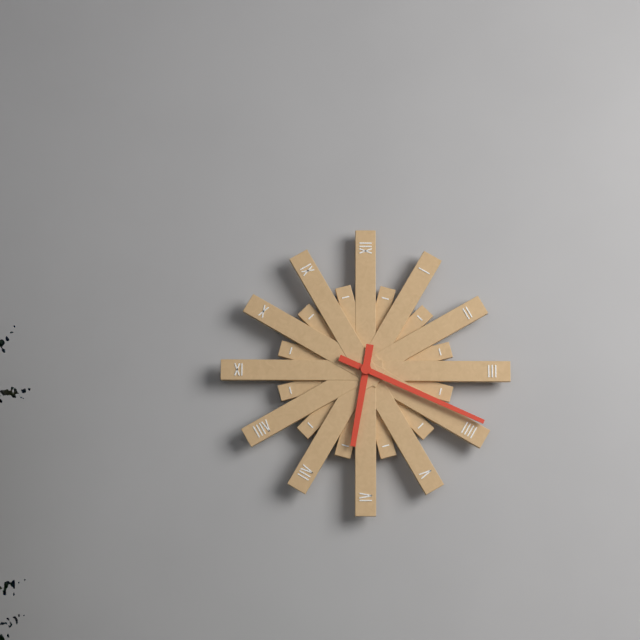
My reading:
h=6 m=19
